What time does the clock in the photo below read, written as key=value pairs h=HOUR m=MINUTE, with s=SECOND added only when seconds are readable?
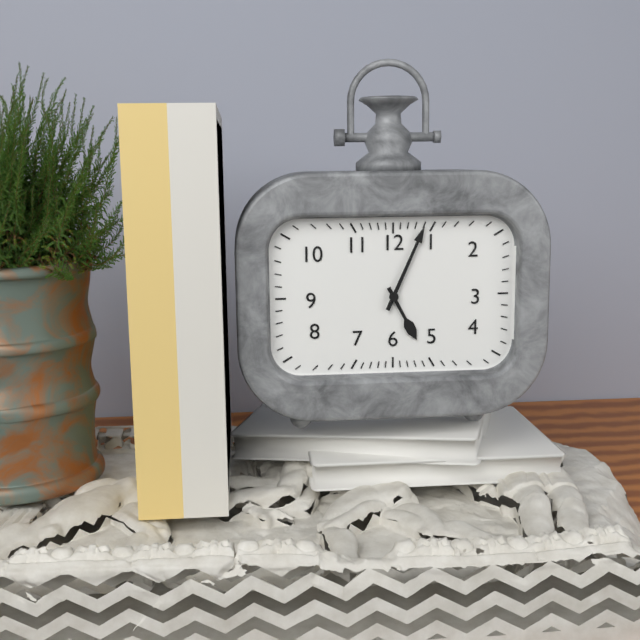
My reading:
h=5 m=4
